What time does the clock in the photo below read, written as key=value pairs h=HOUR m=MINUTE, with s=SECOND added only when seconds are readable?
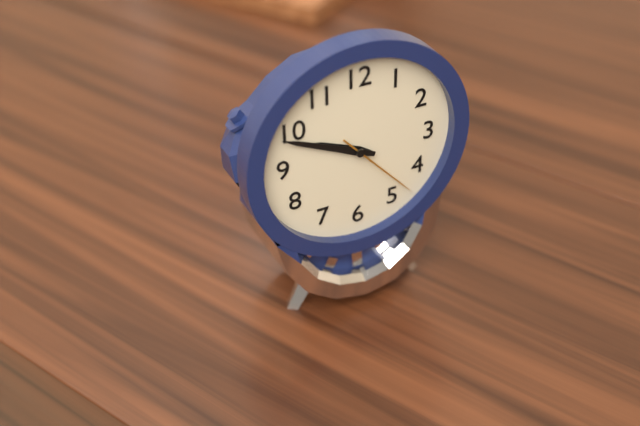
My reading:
h=9 m=49 s=23
